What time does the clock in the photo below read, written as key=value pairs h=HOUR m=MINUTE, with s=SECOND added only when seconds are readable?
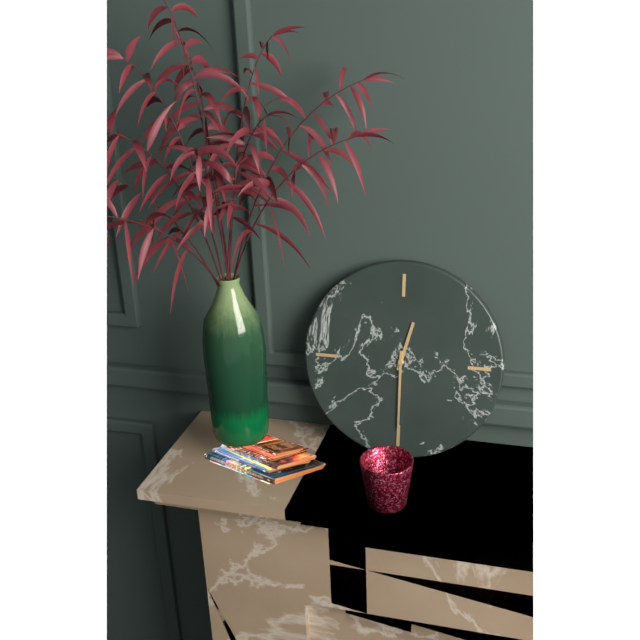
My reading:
h=12 m=30
